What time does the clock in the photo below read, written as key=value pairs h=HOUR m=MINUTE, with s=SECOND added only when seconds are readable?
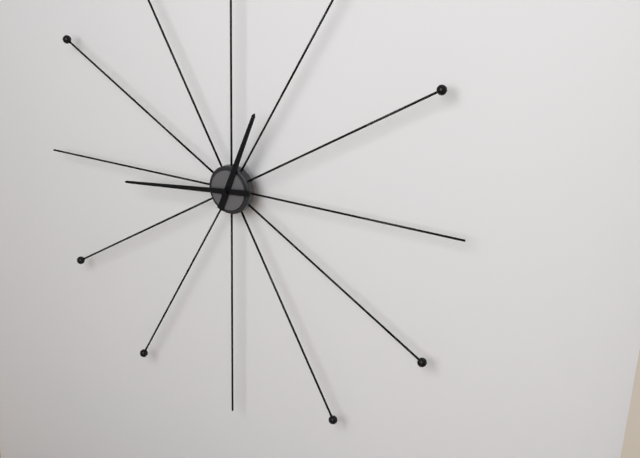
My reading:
h=12 m=44
